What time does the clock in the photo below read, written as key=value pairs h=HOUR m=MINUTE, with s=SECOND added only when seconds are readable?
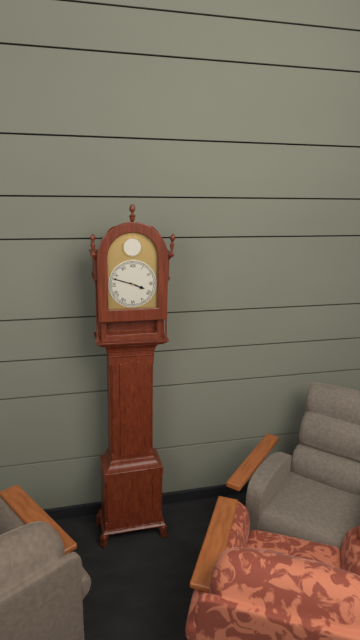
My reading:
h=3 m=48
